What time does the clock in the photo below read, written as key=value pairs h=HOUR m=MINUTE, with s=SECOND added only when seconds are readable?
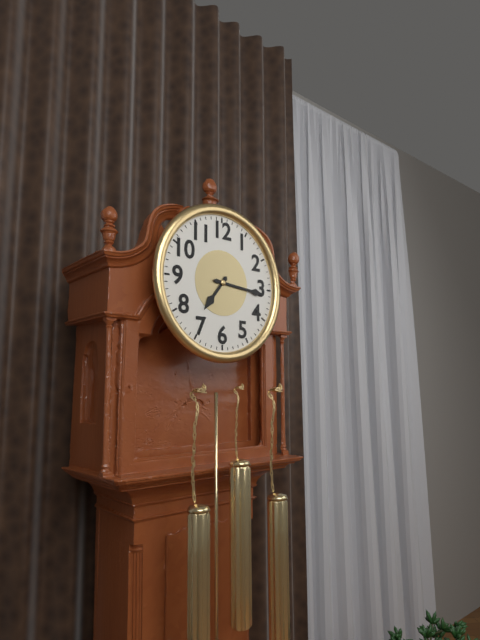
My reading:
h=7 m=16
